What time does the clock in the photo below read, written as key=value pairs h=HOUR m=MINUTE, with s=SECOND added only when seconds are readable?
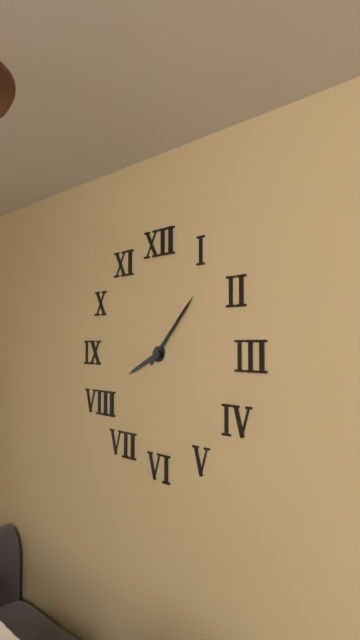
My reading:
h=8 m=7
